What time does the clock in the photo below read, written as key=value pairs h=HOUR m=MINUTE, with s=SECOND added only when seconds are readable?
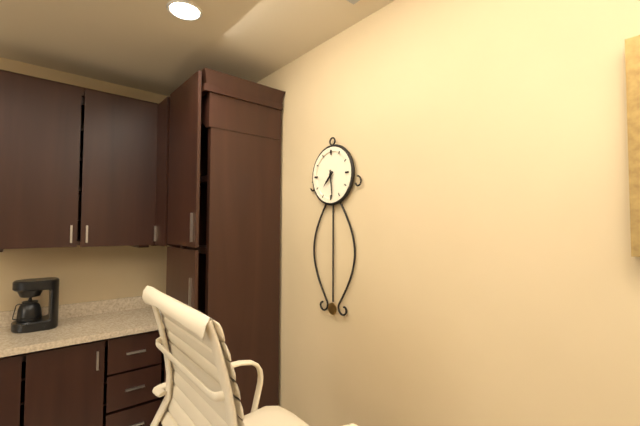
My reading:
h=7 m=29
